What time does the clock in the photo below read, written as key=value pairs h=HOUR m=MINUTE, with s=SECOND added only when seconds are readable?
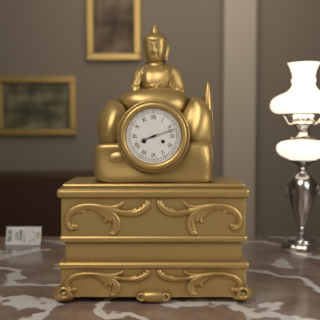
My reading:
h=8 m=12
